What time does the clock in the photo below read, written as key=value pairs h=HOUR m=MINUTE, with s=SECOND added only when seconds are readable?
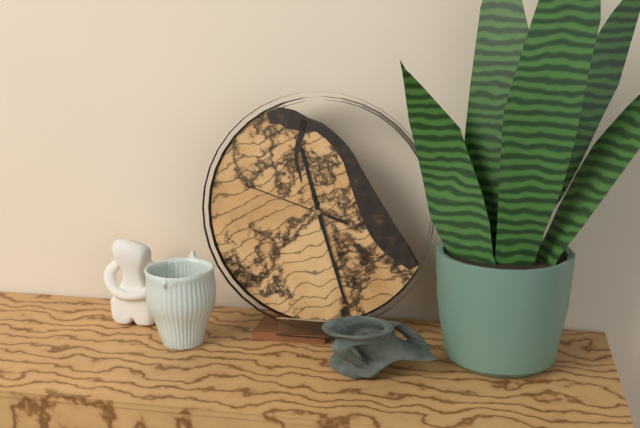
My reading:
h=11 m=27 s=48
